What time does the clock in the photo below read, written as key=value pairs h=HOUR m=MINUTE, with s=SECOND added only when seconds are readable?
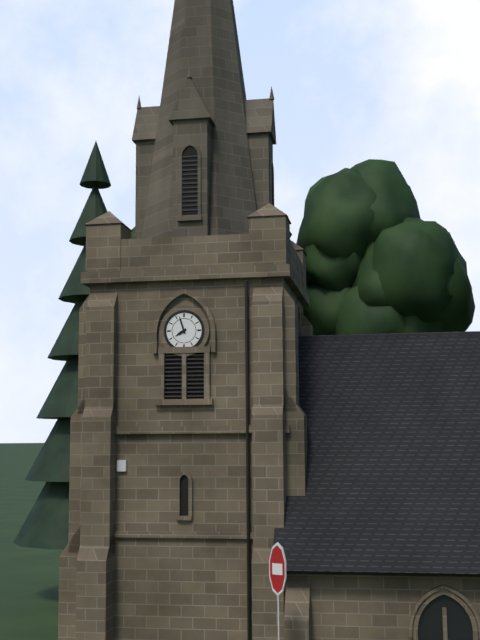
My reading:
h=7 m=57
